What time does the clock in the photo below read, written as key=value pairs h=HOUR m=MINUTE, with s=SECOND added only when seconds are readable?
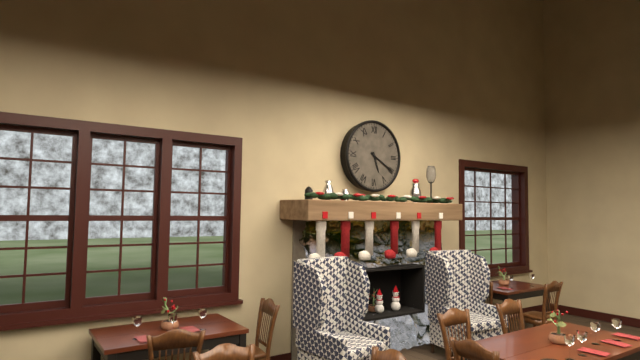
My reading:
h=5 m=20
